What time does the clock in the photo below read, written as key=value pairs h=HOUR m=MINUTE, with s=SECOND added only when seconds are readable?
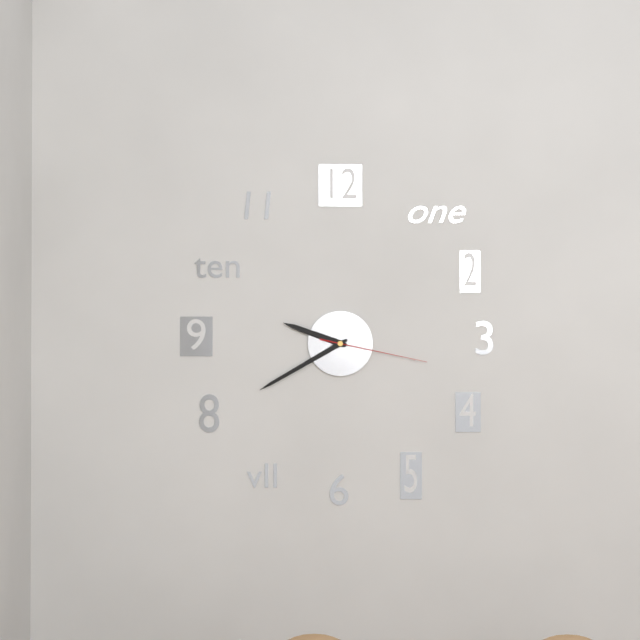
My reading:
h=9 m=40 s=17
